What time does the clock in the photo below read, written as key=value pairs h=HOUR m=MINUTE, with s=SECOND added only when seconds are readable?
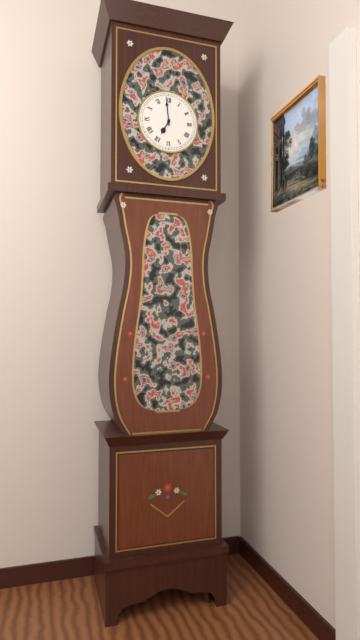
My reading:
h=6 m=59
